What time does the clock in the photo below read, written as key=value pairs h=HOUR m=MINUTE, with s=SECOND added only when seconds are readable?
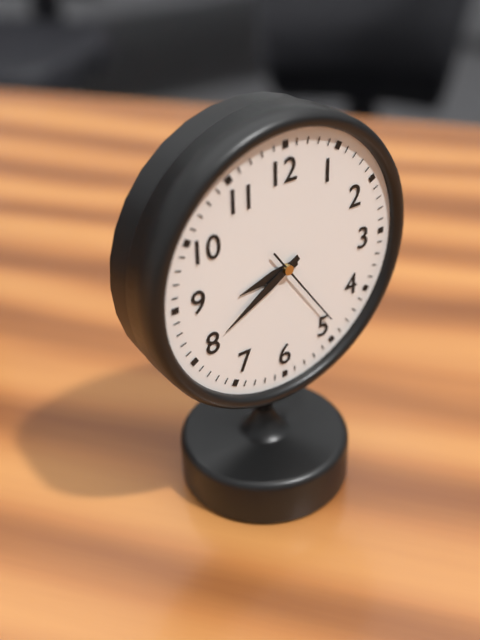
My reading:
h=8 m=40 s=24
